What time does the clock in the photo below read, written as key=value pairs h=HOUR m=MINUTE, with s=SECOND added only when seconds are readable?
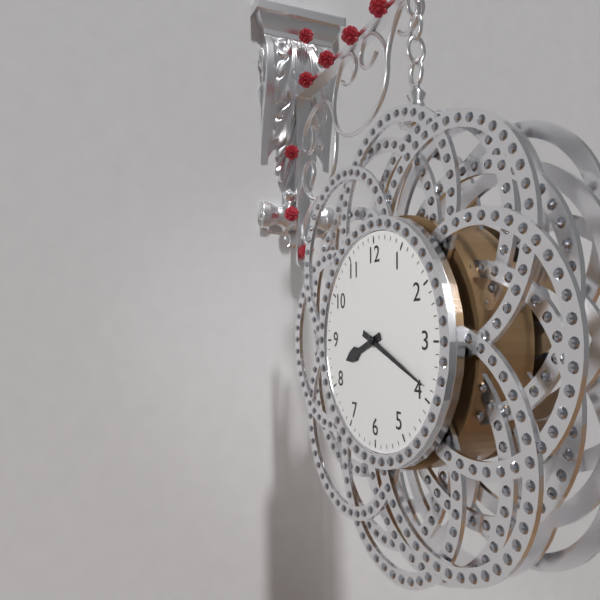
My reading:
h=8 m=19
